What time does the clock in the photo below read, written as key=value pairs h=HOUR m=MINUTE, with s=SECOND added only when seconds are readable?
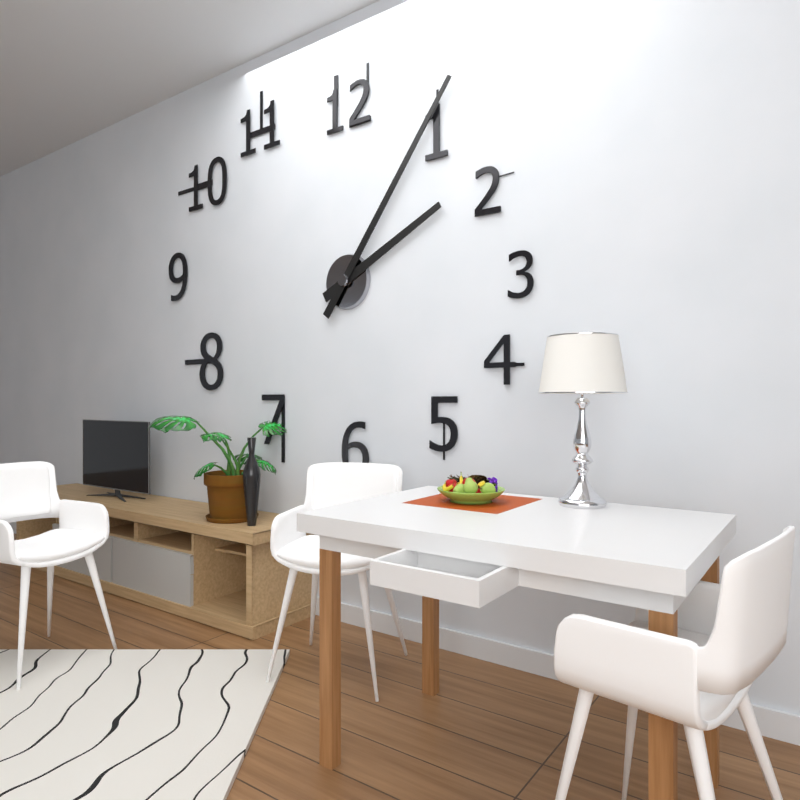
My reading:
h=2 m=6
